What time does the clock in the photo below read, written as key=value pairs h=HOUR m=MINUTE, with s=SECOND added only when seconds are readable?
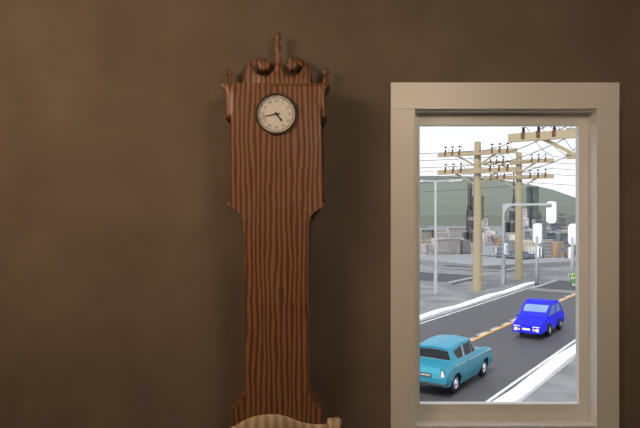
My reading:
h=4 m=43
